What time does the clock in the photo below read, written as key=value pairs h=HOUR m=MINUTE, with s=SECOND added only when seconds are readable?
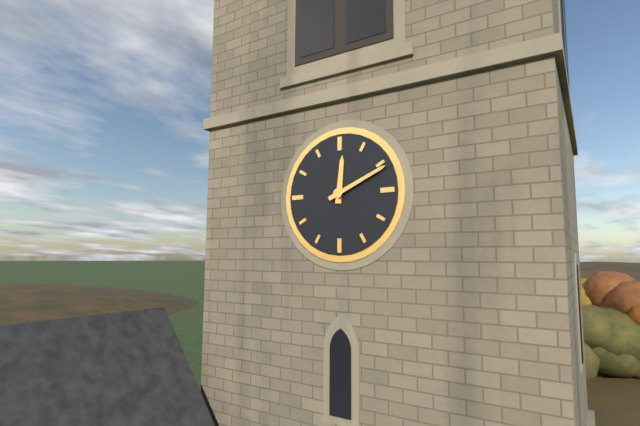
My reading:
h=12 m=11
